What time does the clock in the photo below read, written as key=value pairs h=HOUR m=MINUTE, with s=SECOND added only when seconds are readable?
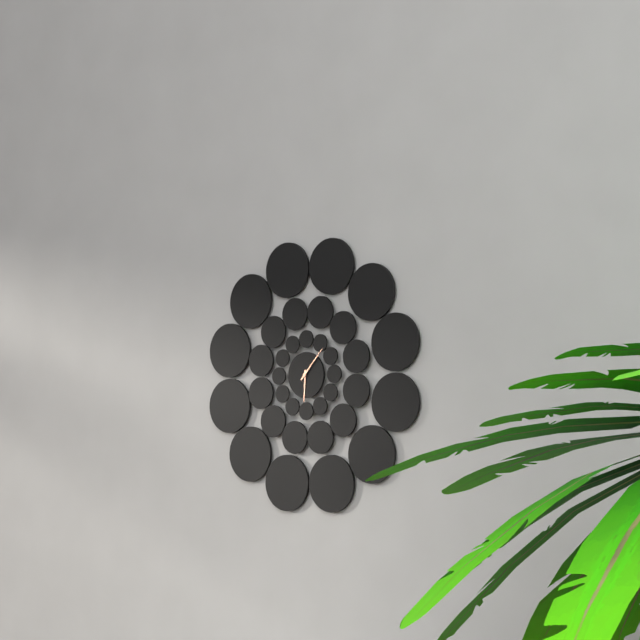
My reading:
h=6 m=7
